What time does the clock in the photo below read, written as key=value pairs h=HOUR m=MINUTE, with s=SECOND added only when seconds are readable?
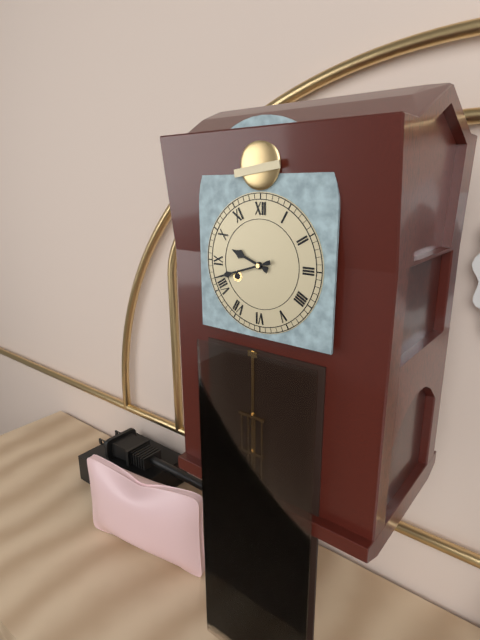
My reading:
h=9 m=42
